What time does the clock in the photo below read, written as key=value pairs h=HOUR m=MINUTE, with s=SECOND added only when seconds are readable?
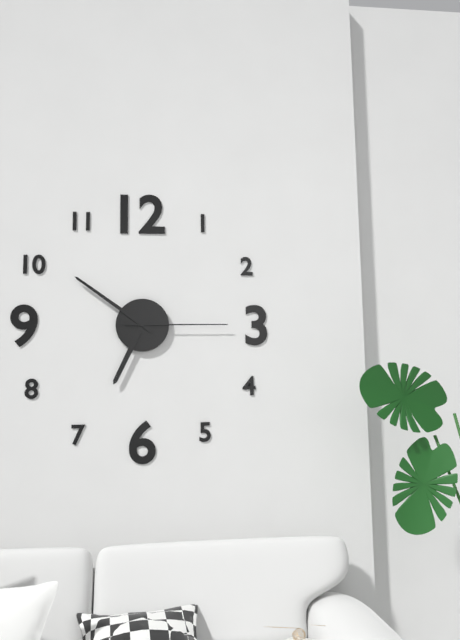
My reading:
h=6 m=51 s=15
